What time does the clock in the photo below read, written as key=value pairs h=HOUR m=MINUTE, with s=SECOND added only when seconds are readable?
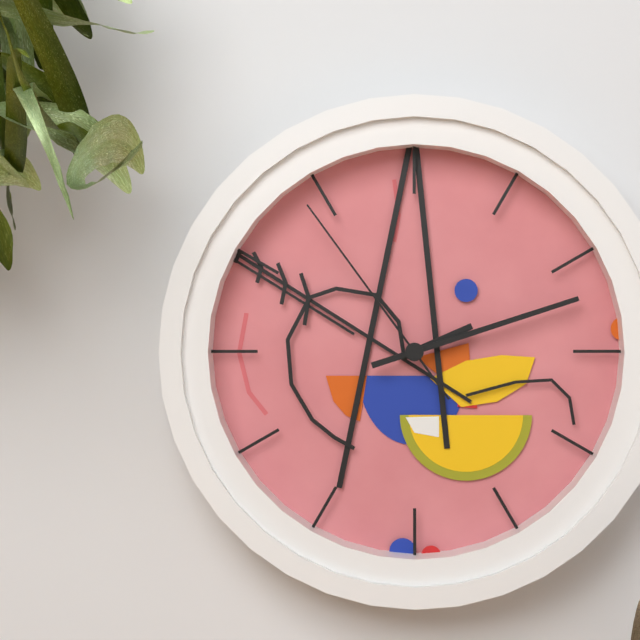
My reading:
h=2 m=12 s=54
